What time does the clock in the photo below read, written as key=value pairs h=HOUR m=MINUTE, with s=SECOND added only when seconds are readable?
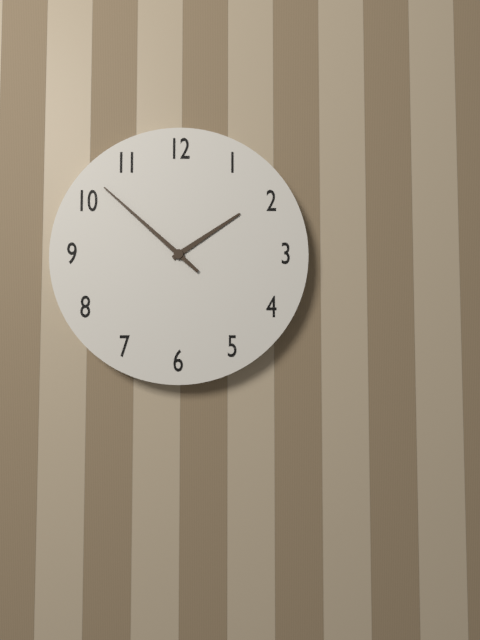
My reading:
h=1 m=52
